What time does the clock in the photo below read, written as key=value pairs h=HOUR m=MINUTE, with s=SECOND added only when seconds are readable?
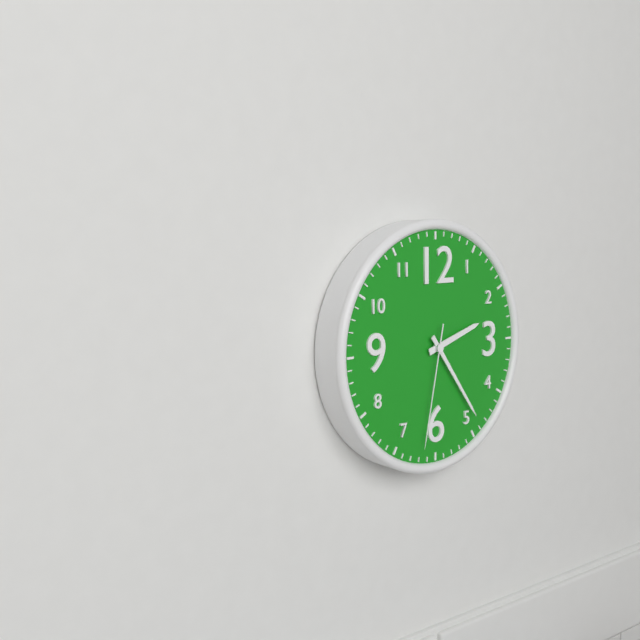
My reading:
h=2 m=24 s=32
